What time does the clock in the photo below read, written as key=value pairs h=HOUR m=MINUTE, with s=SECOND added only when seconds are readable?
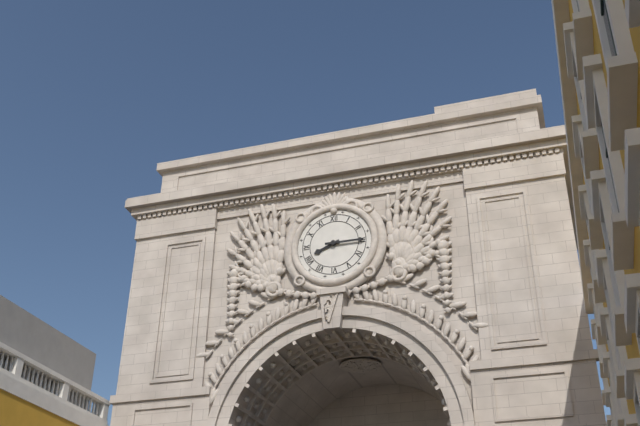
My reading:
h=8 m=15
